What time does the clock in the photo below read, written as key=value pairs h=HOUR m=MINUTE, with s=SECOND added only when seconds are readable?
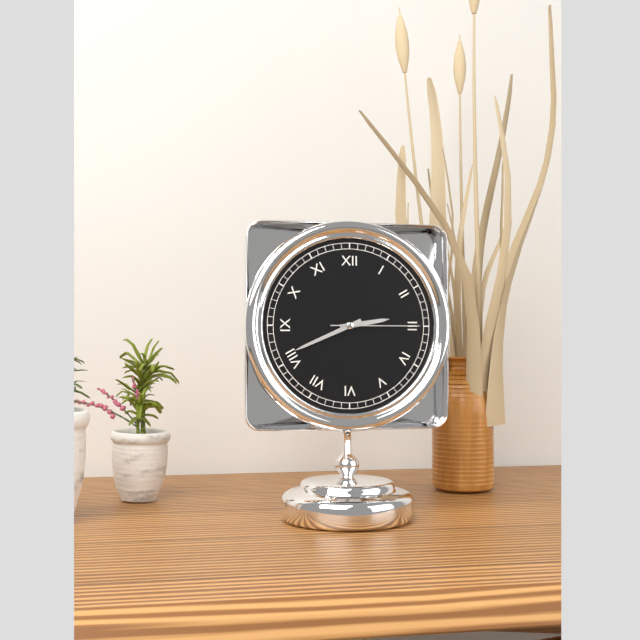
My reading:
h=2 m=41 s=15
